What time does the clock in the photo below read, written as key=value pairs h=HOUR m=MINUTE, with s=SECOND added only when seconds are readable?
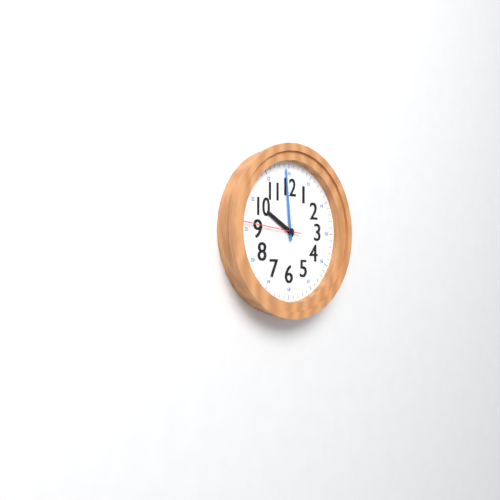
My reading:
h=9 m=59 s=46
